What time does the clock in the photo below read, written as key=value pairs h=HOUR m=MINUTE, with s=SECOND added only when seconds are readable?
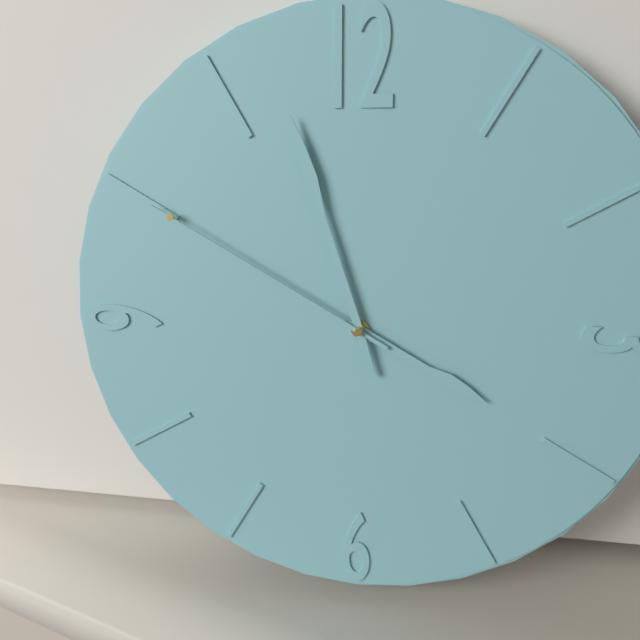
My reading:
h=3 m=57 s=50
